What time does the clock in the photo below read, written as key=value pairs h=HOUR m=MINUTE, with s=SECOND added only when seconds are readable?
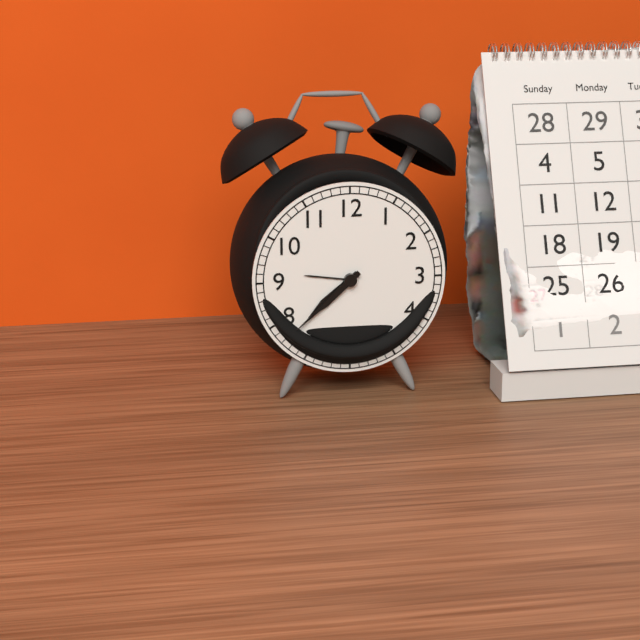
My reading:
h=7 m=38
